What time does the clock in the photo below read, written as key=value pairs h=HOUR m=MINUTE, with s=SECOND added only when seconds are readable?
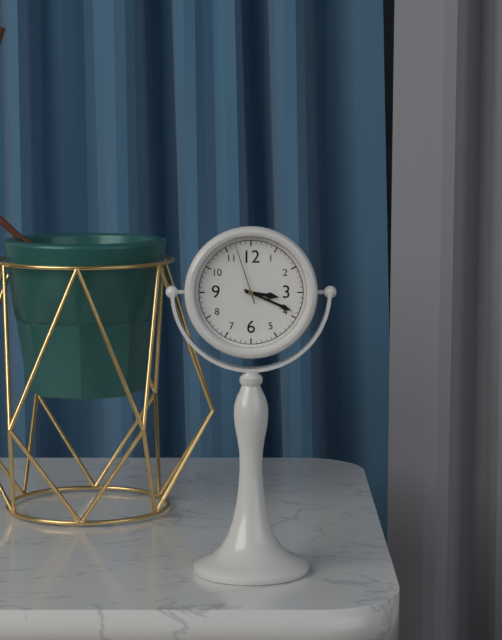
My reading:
h=3 m=19 s=57
